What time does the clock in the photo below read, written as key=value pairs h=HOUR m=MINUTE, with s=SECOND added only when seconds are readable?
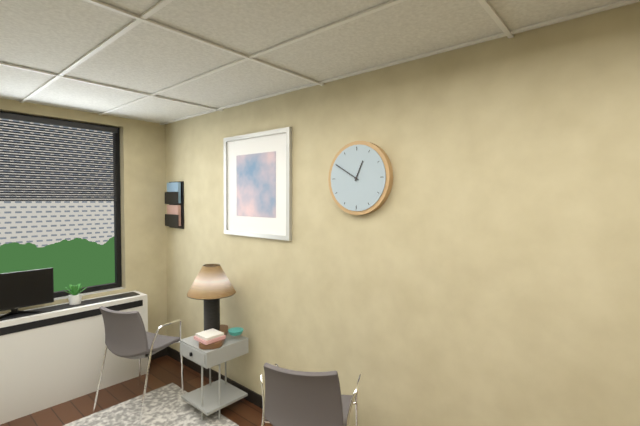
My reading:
h=12 m=50
